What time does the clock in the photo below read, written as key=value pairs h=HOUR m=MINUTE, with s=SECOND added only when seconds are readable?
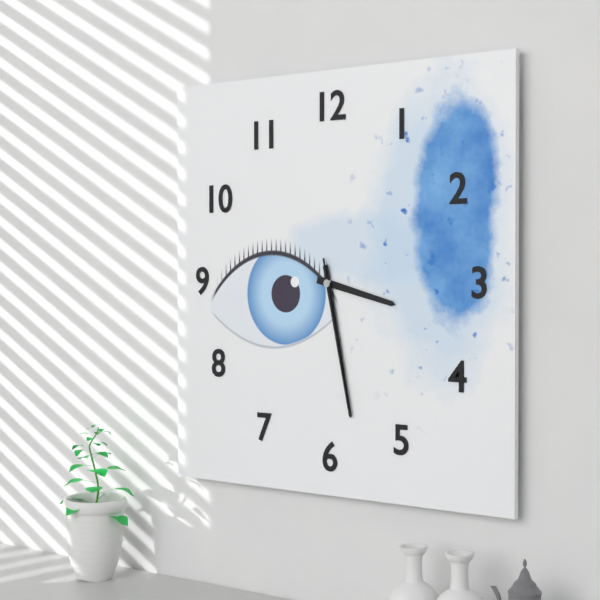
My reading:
h=3 m=28 s=28
